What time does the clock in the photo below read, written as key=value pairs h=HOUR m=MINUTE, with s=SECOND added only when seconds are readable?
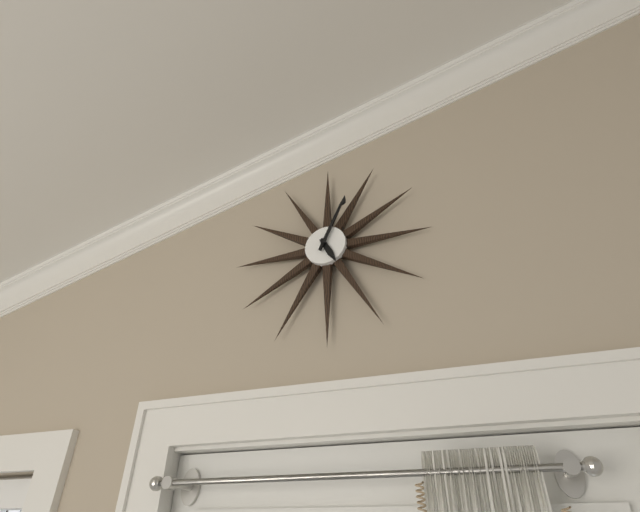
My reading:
h=5 m=4
